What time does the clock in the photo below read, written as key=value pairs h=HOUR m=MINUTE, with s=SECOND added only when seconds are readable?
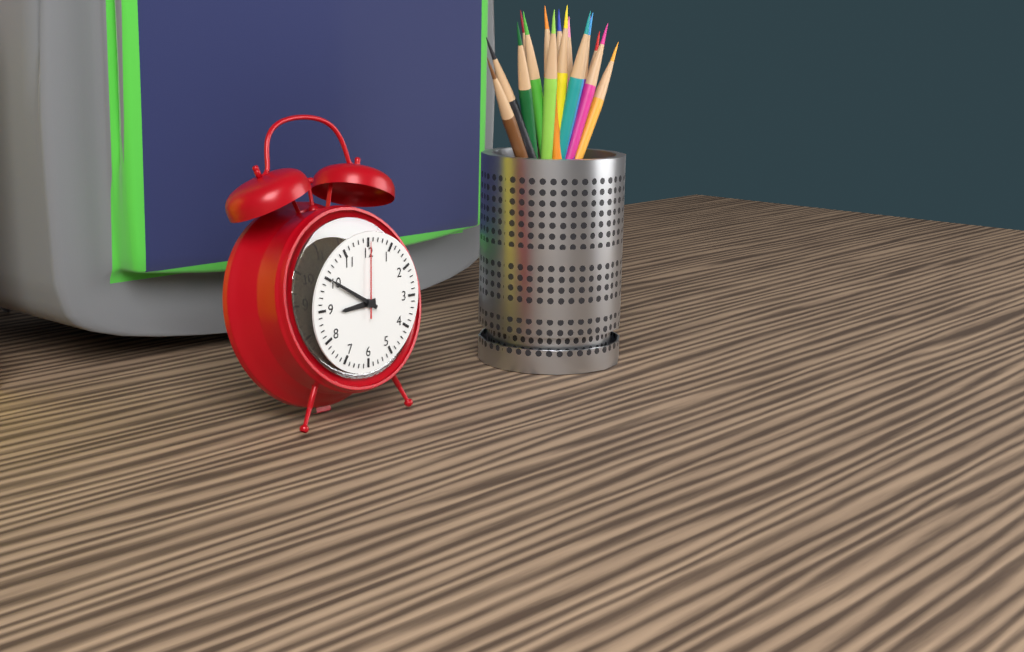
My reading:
h=8 m=50 s=0
